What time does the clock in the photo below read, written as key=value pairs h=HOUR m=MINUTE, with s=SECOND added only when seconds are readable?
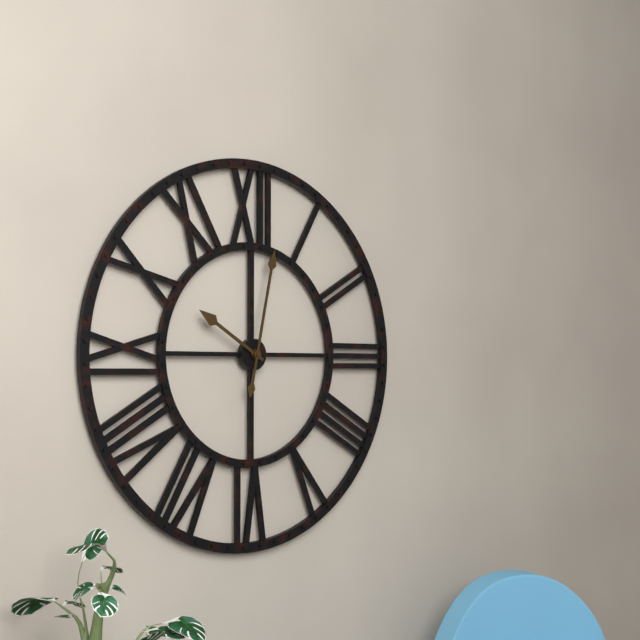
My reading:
h=10 m=2
